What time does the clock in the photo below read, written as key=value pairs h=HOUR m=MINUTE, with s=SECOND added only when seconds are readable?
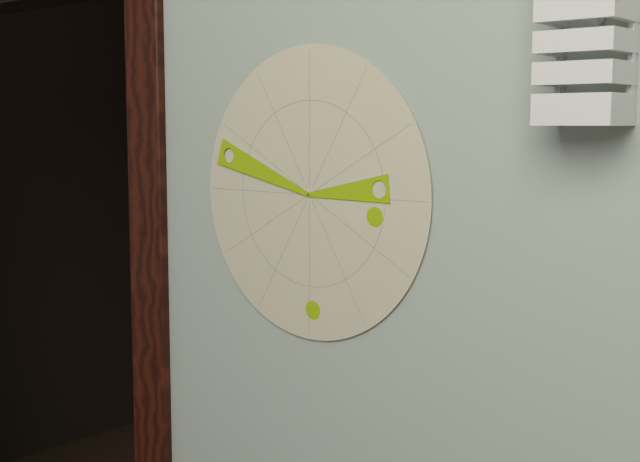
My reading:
h=2 m=48
